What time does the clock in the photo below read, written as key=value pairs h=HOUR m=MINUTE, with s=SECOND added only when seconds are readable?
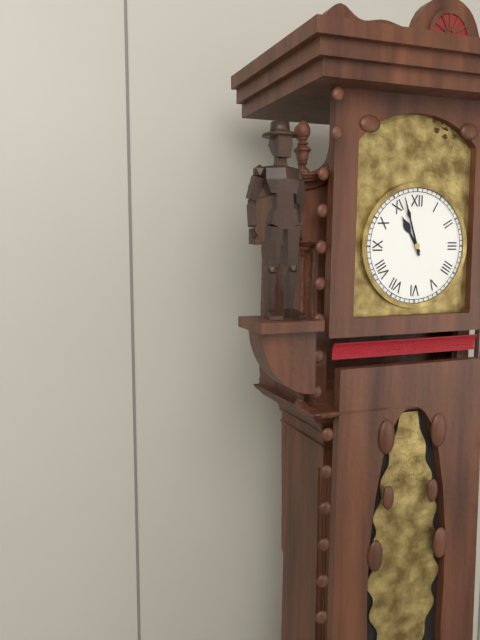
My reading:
h=10 m=57
